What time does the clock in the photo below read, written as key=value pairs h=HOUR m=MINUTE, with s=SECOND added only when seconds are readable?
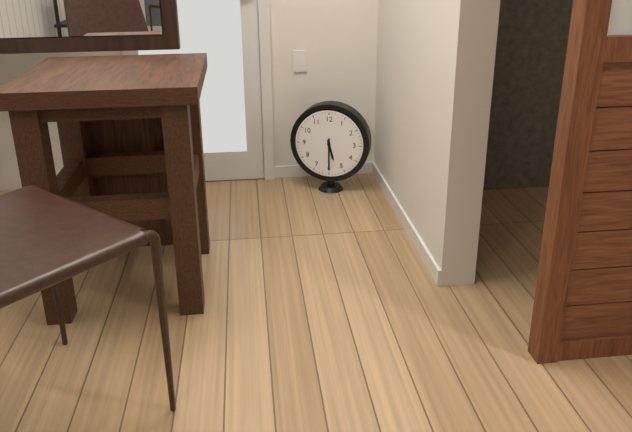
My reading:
h=5 m=30
